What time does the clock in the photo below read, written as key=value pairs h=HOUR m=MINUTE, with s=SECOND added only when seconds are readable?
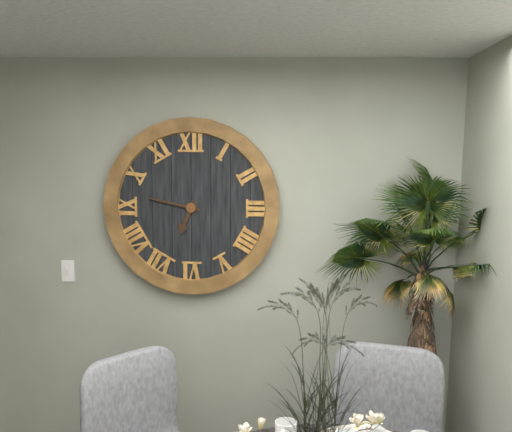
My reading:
h=6 m=47
